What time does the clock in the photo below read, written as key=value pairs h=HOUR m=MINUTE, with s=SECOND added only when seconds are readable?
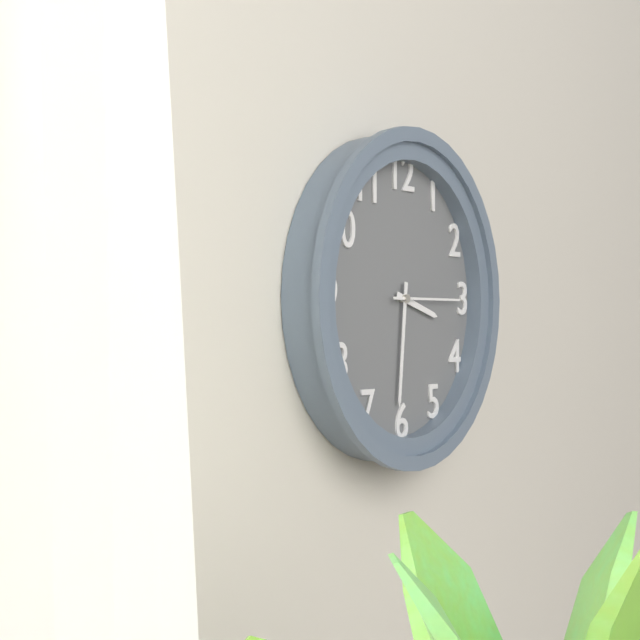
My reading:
h=3 m=31 s=15
